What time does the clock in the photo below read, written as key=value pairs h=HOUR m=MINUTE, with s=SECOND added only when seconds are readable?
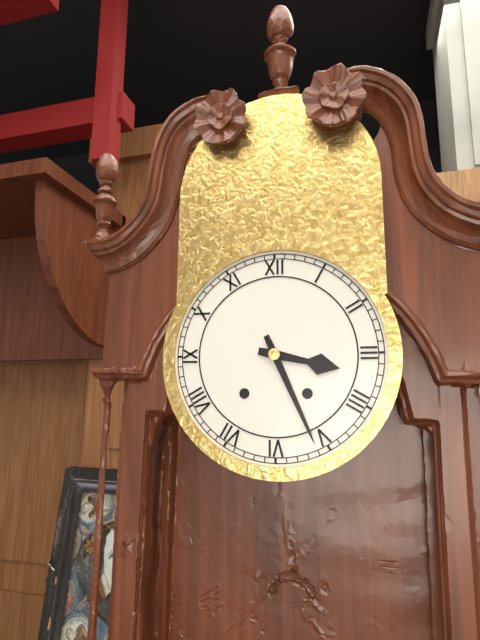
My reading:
h=3 m=26
